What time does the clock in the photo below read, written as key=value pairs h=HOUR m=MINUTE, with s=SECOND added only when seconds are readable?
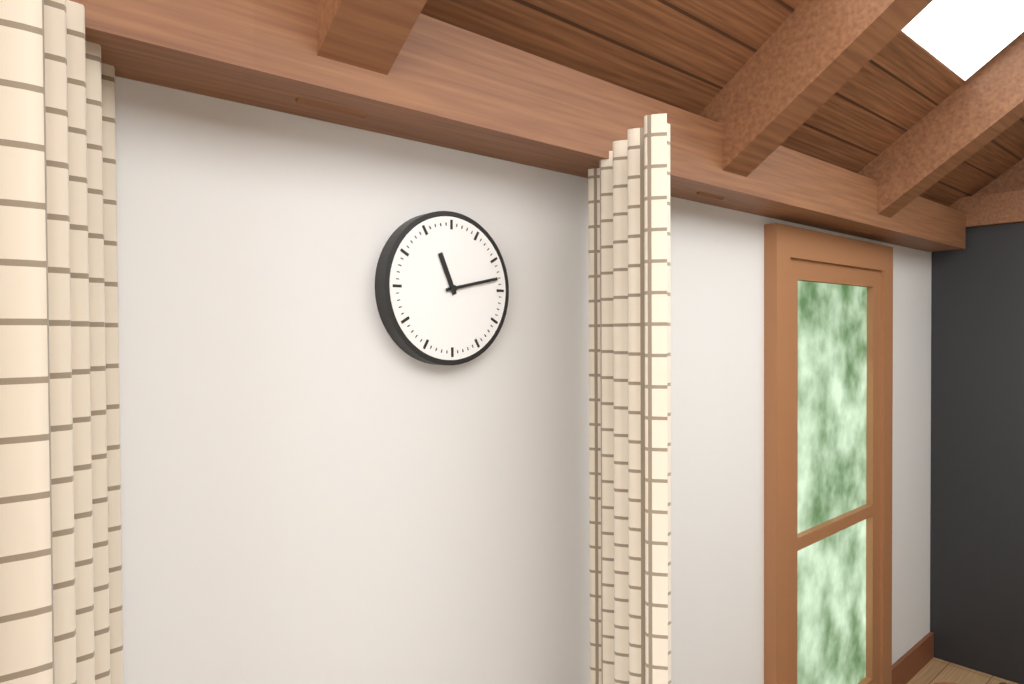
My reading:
h=11 m=13
